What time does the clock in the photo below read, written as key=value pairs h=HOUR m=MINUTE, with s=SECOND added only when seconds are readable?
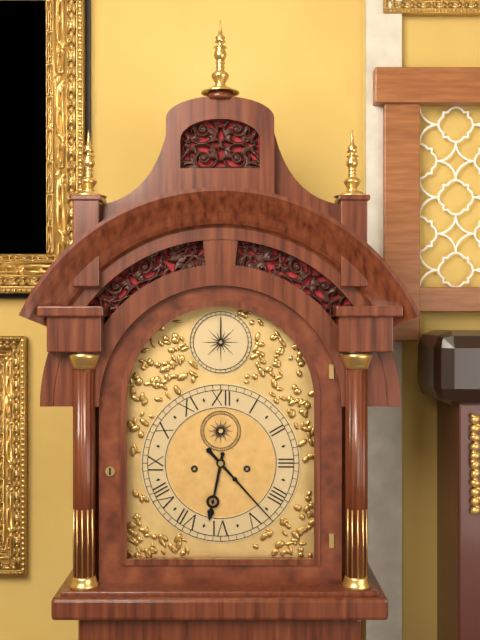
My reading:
h=6 m=23
